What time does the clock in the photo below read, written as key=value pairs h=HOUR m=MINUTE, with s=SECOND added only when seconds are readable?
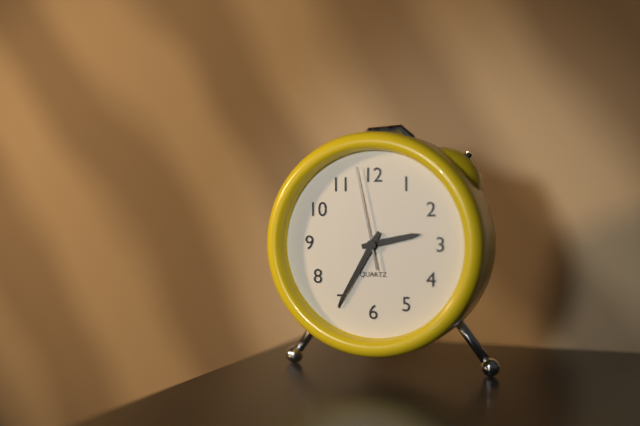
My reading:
h=2 m=35 s=58
